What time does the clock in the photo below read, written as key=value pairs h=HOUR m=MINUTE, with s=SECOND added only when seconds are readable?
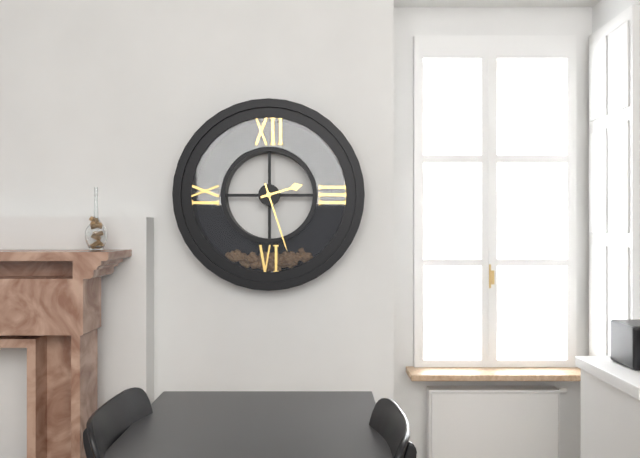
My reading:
h=2 m=27
